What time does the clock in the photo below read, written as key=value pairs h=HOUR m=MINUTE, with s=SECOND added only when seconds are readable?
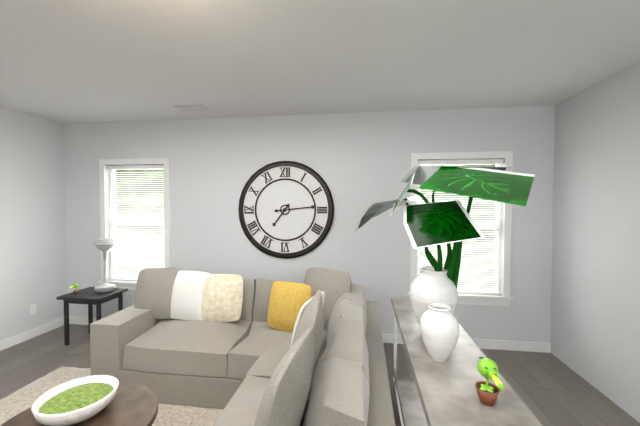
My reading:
h=7 m=14
